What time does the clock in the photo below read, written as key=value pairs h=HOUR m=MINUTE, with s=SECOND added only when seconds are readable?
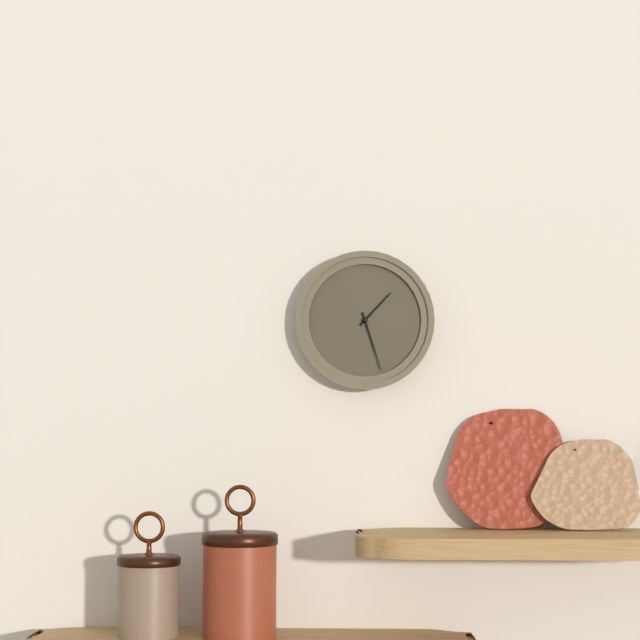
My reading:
h=1 m=27
